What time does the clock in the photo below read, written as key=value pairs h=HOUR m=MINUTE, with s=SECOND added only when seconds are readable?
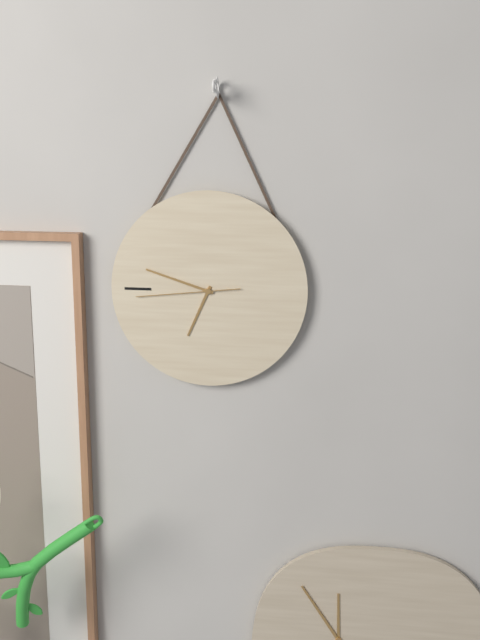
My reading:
h=6 m=48 s=44
